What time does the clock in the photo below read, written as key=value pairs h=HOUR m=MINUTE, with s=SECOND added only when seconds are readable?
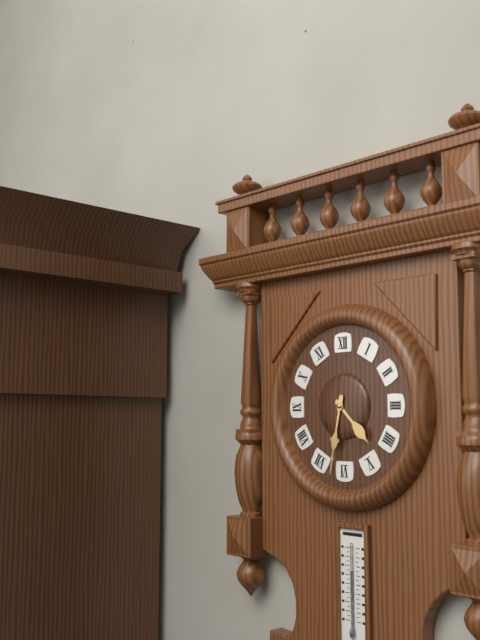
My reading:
h=4 m=32
